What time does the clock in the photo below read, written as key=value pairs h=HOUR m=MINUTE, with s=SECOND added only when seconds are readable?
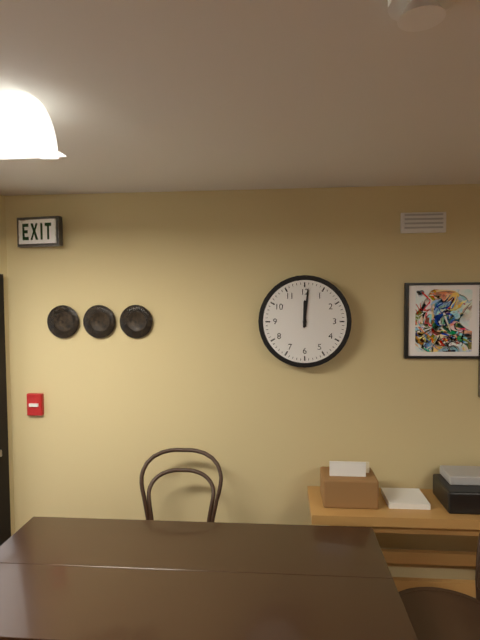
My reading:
h=12 m=1
